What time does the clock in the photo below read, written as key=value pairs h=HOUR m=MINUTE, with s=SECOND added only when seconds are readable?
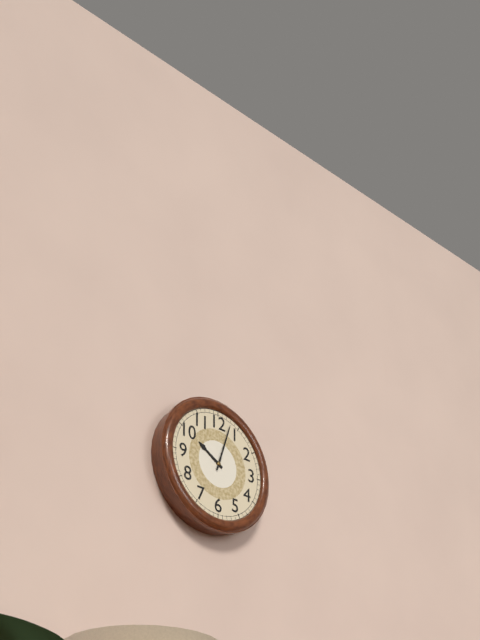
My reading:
h=10 m=3
